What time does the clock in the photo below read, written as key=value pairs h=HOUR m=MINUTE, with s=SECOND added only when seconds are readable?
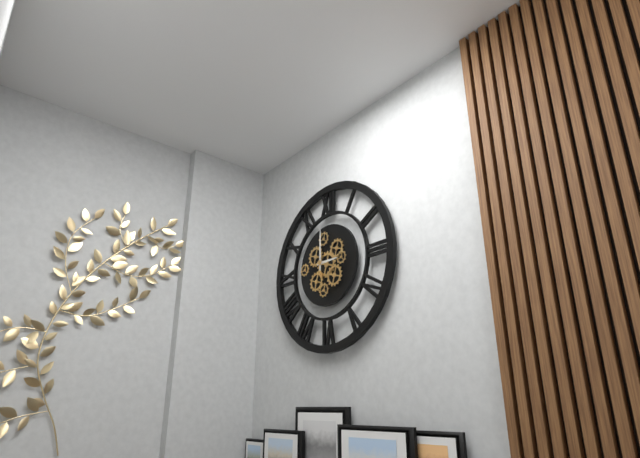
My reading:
h=3 m=0
